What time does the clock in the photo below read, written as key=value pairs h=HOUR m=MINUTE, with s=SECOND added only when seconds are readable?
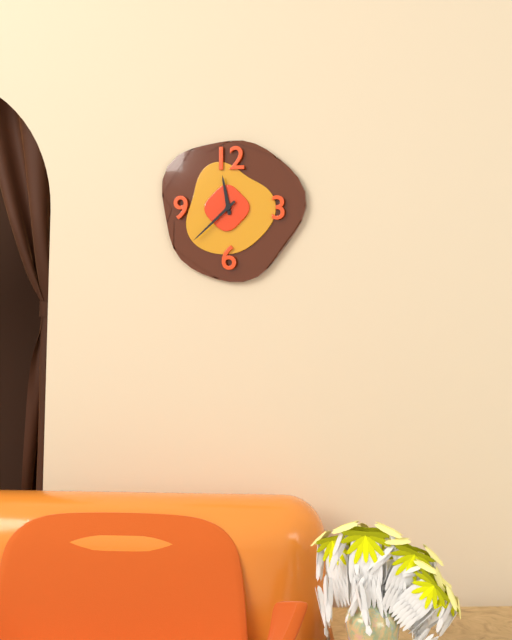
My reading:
h=11 m=38
